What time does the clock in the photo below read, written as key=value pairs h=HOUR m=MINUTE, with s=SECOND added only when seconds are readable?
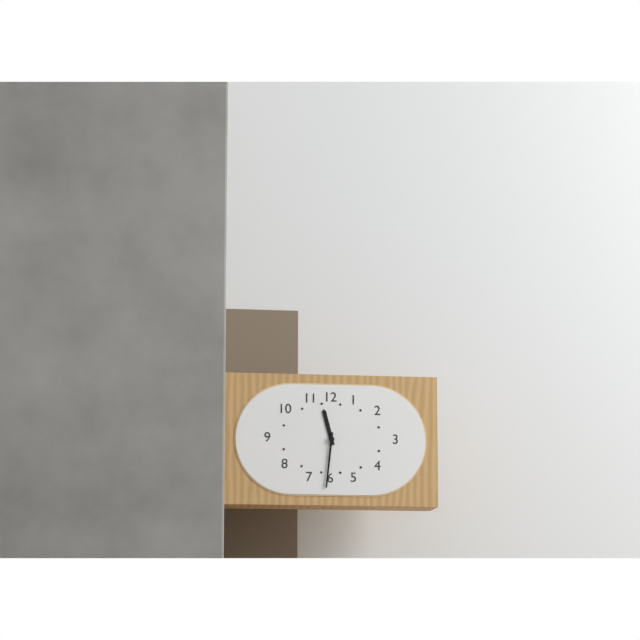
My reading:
h=11 m=31
